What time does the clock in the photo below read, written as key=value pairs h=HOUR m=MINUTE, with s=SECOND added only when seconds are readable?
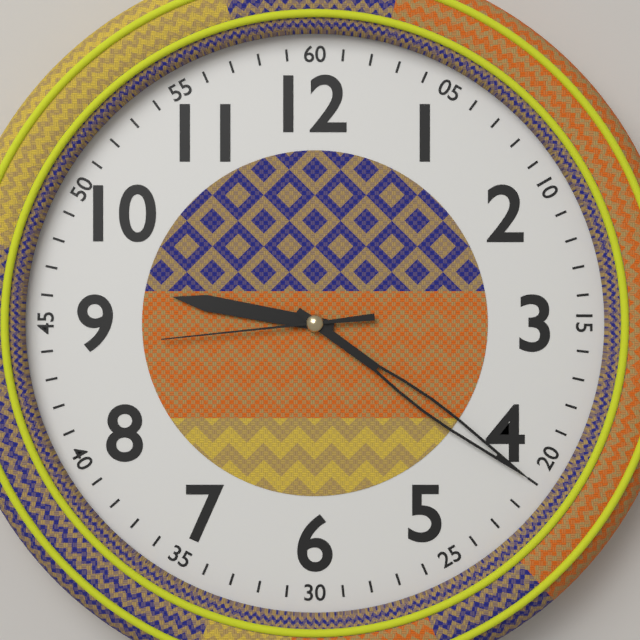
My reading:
h=9 m=21 s=44
